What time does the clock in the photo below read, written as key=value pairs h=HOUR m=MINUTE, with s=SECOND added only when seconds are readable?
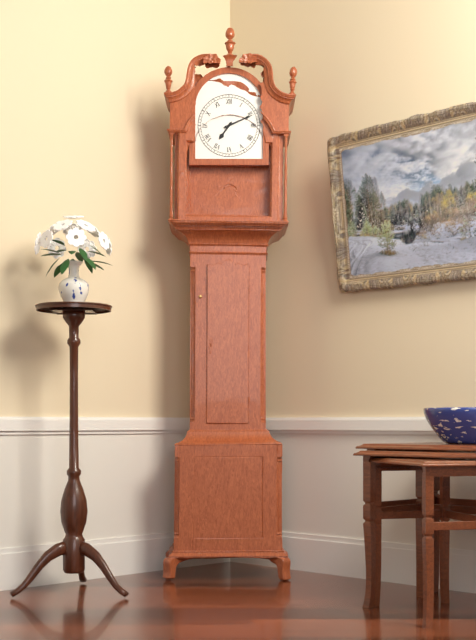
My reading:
h=7 m=11
